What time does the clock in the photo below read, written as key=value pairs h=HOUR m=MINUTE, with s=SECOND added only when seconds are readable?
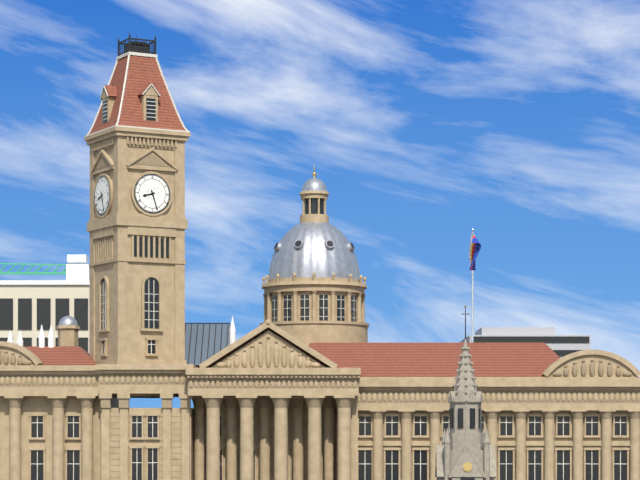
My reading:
h=8 m=27
